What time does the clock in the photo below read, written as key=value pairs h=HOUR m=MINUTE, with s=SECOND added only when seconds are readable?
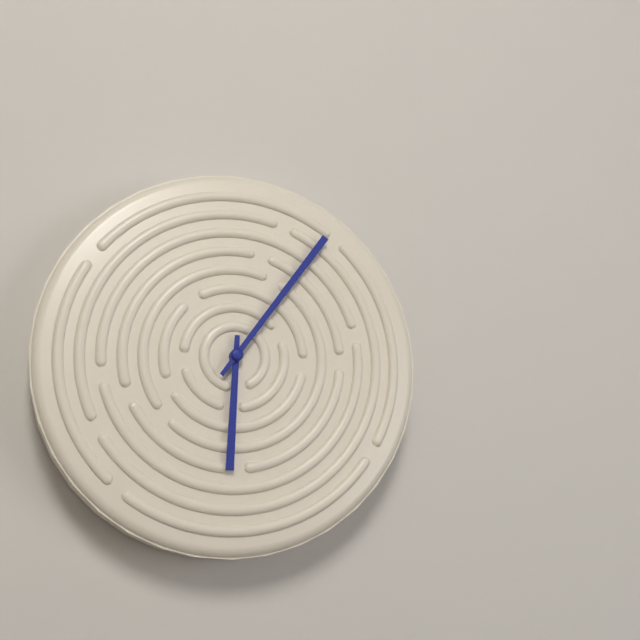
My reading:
h=6 m=6
